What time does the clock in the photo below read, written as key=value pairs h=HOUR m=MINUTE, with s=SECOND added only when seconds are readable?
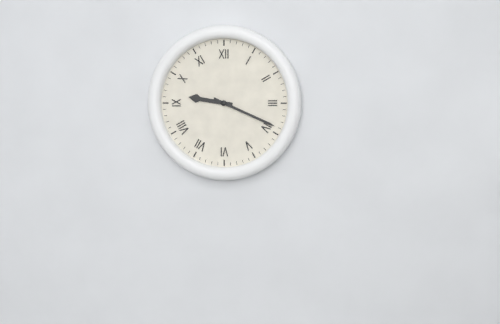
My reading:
h=9 m=19
